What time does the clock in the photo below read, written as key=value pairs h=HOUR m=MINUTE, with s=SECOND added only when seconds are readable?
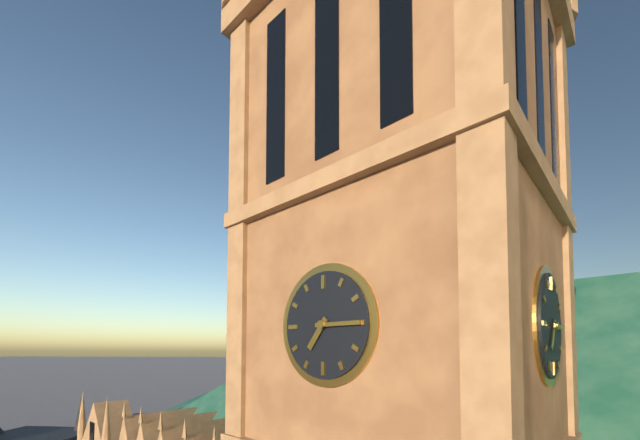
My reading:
h=7 m=15
